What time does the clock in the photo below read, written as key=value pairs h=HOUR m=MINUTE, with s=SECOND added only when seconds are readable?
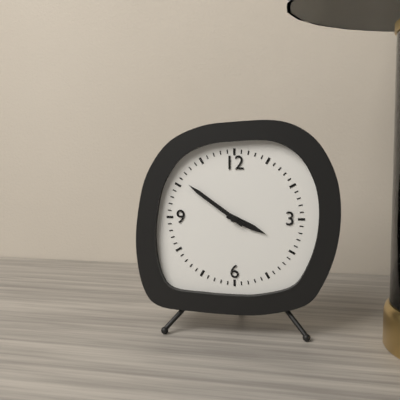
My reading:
h=3 m=51
